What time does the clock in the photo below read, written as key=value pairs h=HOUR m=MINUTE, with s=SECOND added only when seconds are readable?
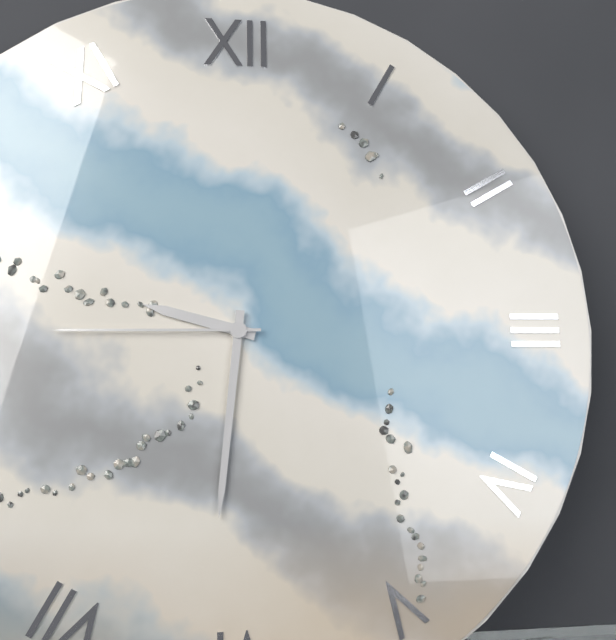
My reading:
h=9 m=31 s=45
